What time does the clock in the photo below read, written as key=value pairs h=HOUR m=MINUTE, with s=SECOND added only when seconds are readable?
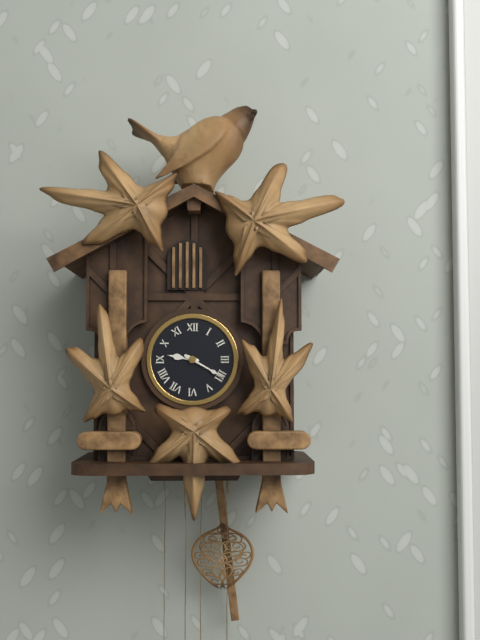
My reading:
h=9 m=20
